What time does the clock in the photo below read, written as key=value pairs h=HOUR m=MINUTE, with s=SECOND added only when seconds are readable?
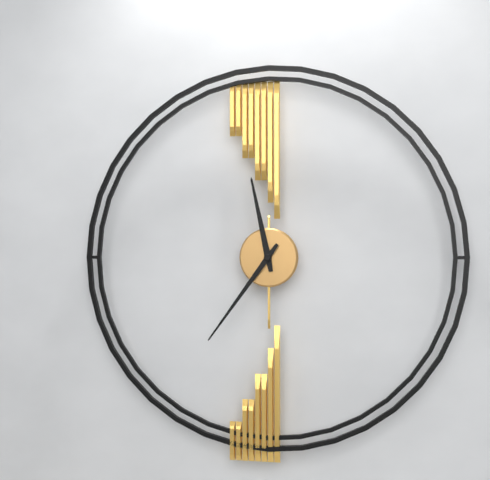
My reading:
h=11 m=36
